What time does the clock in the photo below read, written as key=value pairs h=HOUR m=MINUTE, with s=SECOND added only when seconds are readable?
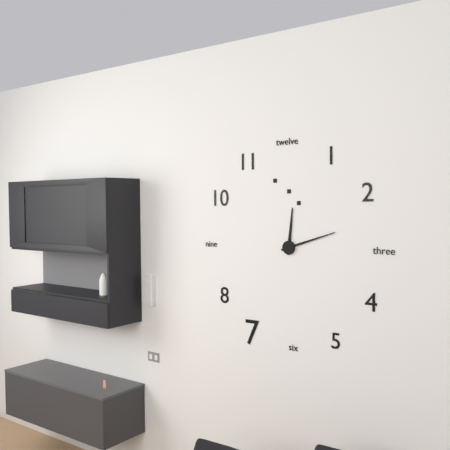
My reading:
h=12 m=12
